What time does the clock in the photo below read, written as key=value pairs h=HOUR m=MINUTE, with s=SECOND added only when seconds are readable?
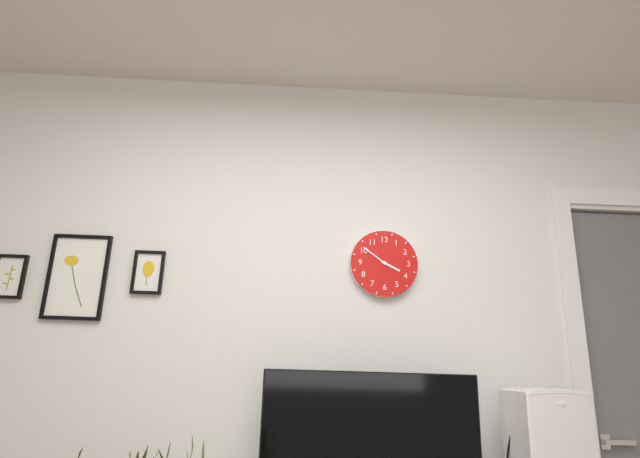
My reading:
h=3 m=51
